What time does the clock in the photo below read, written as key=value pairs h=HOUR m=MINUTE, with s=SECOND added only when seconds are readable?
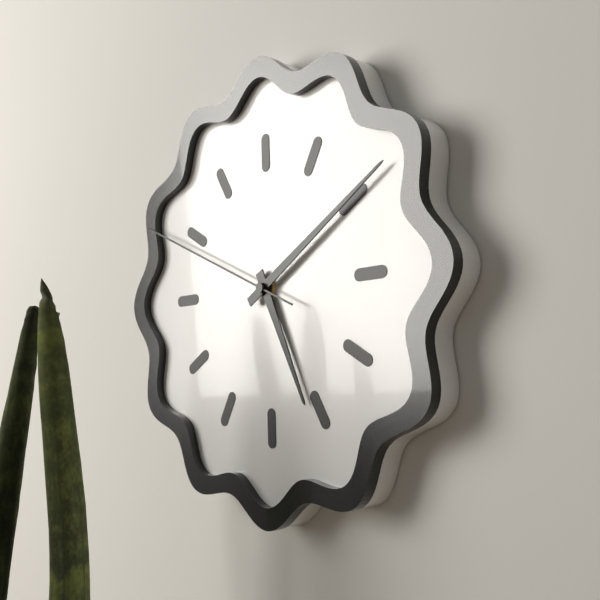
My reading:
h=5 m=10 s=49
